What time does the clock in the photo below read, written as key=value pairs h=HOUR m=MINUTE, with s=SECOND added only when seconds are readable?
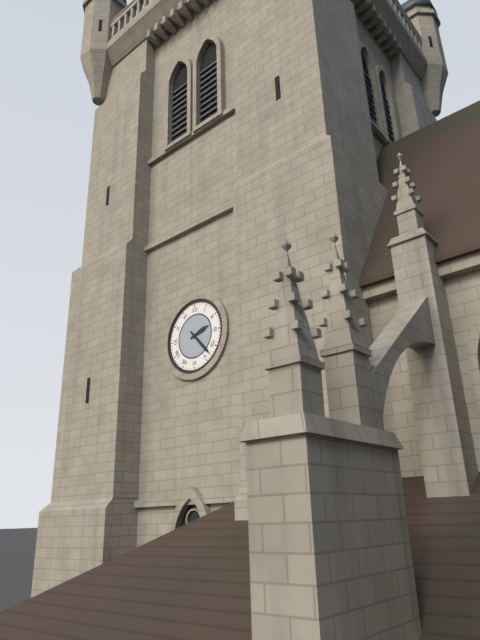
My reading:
h=2 m=23
